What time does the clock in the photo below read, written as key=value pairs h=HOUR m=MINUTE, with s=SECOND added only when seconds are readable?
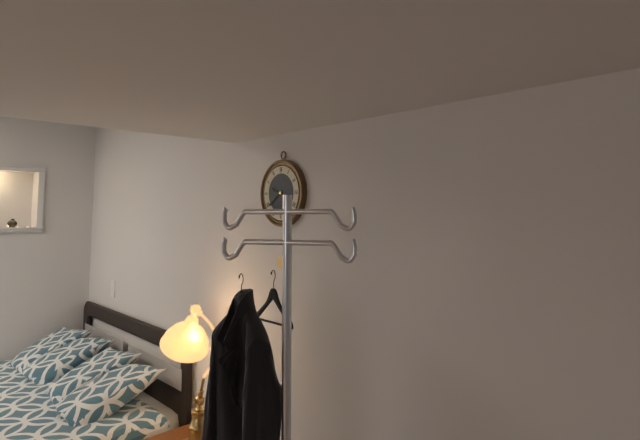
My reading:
h=9 m=39
